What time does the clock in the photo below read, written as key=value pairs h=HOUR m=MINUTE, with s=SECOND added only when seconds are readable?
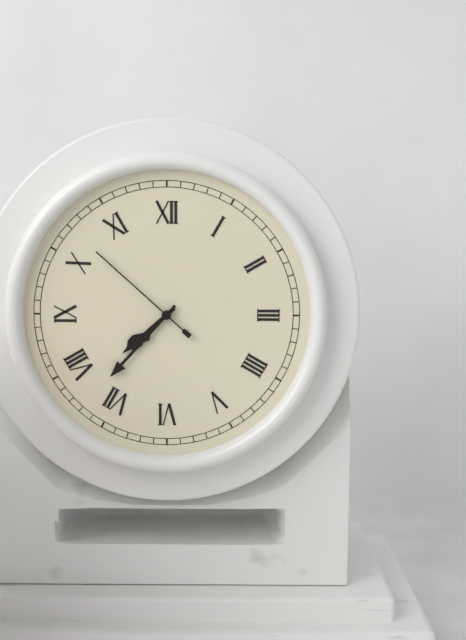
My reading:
h=7 m=37 s=52
